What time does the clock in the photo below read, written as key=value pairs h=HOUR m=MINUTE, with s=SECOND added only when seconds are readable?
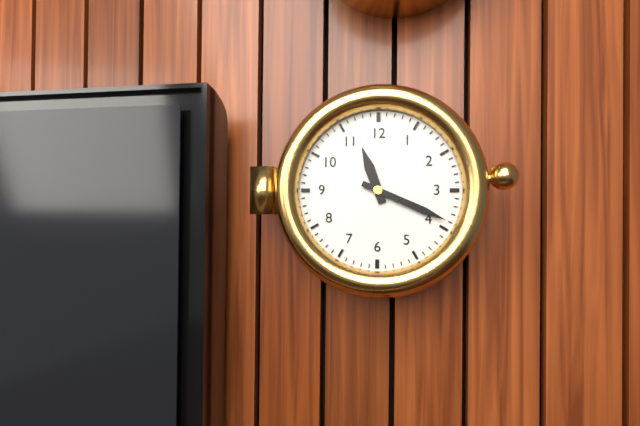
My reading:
h=11 m=19
